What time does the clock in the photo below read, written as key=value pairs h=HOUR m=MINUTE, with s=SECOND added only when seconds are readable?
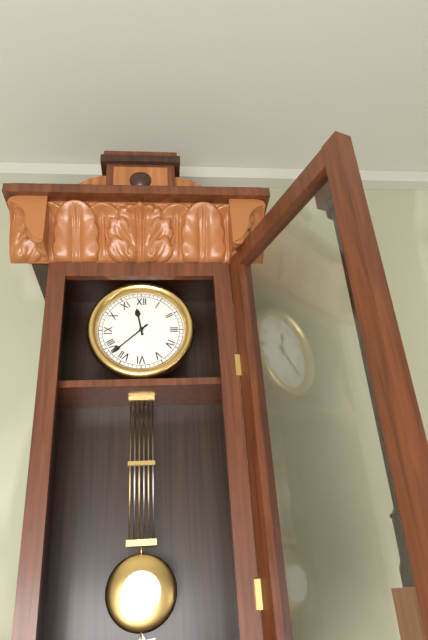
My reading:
h=11 m=38
